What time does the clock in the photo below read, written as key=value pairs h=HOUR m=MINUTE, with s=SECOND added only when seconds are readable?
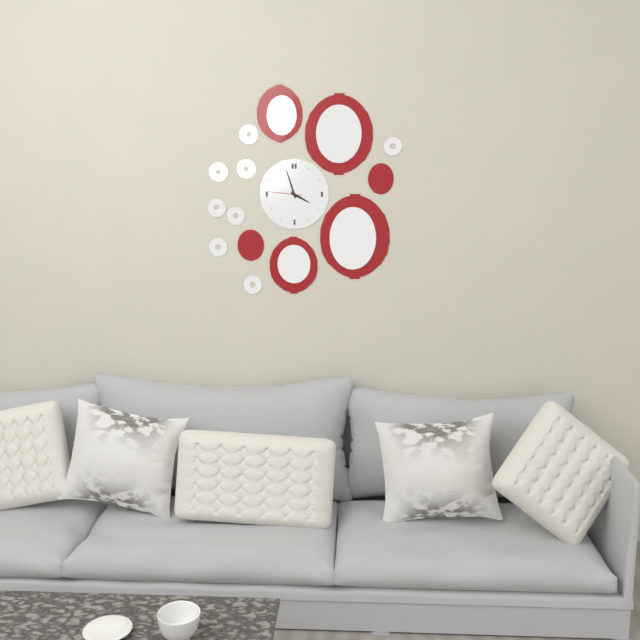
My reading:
h=3 m=57
